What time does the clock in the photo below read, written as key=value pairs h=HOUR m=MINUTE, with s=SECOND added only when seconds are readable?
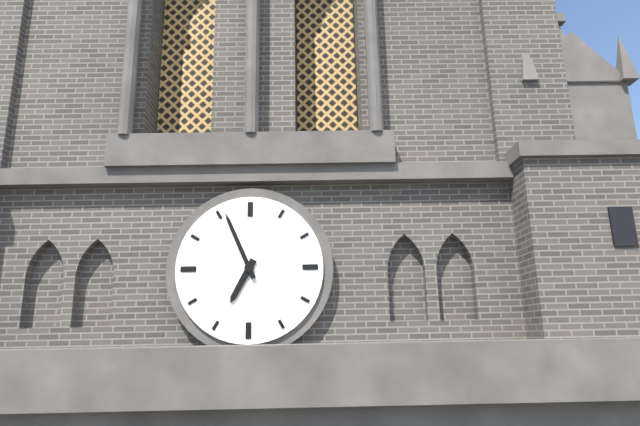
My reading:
h=6 m=56
